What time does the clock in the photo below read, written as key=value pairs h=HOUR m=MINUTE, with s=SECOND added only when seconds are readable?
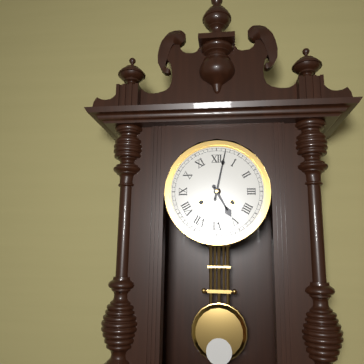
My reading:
h=5 m=2
